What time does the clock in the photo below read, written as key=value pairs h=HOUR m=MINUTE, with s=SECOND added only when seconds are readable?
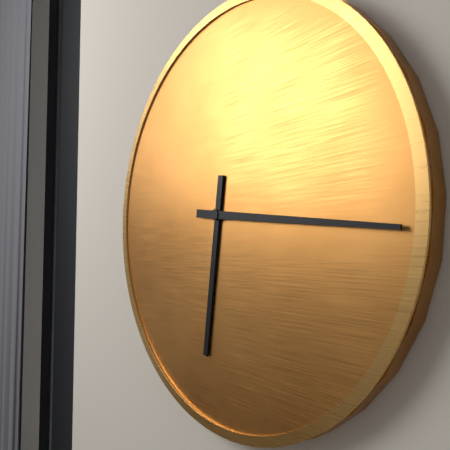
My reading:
h=6 m=16
